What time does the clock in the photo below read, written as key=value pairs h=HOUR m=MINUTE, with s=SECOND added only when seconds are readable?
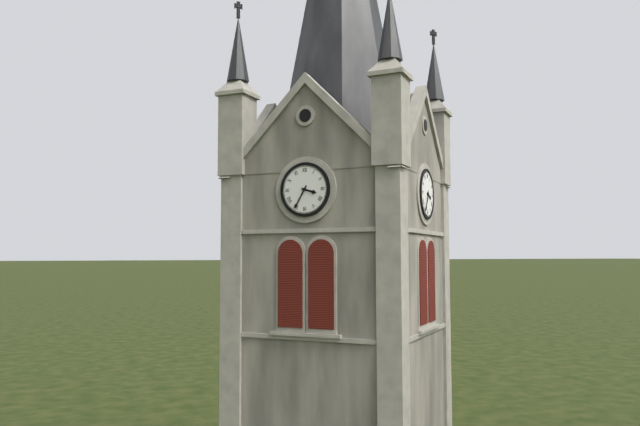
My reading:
h=3 m=35
